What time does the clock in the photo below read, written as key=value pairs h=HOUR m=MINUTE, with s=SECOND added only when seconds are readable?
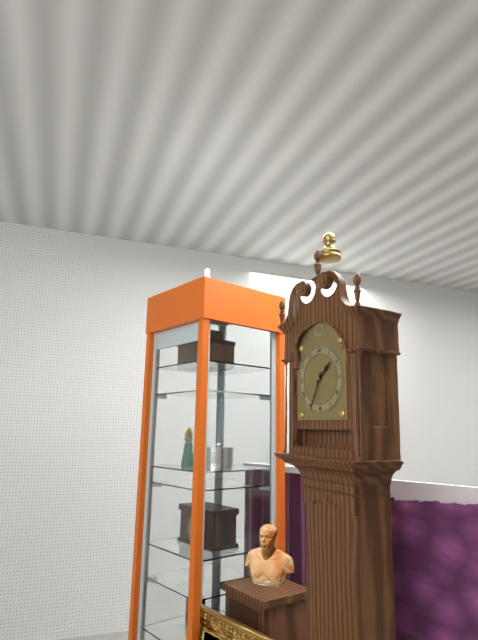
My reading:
h=1 m=34
